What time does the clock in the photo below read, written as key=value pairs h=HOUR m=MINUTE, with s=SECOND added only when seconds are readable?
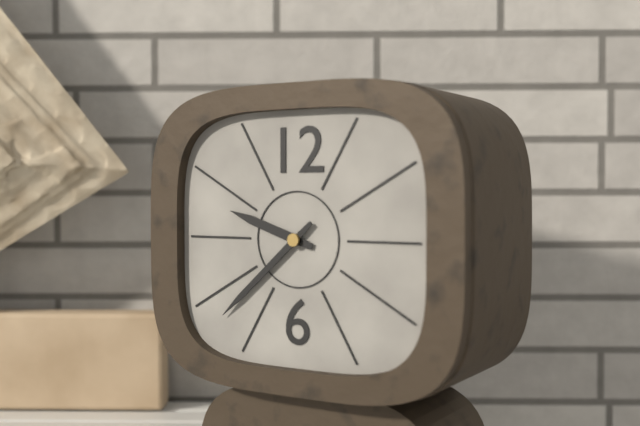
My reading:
h=9 m=38
